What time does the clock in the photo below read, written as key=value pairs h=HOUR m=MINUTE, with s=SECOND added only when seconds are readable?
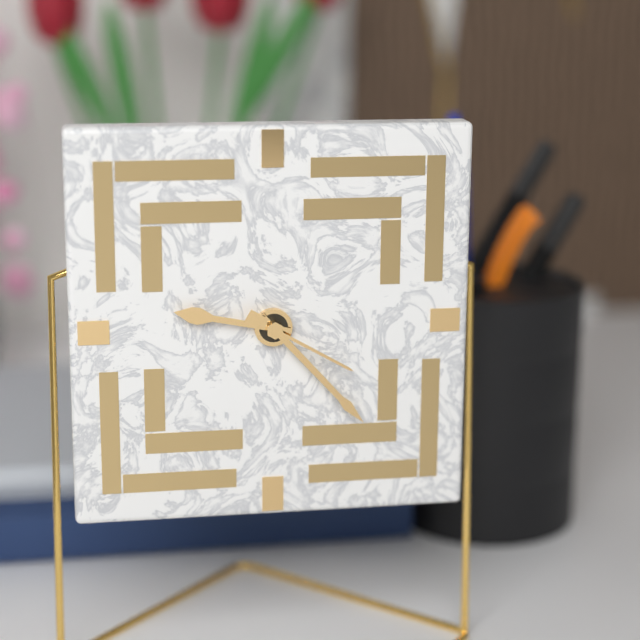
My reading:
h=9 m=23 s=20
